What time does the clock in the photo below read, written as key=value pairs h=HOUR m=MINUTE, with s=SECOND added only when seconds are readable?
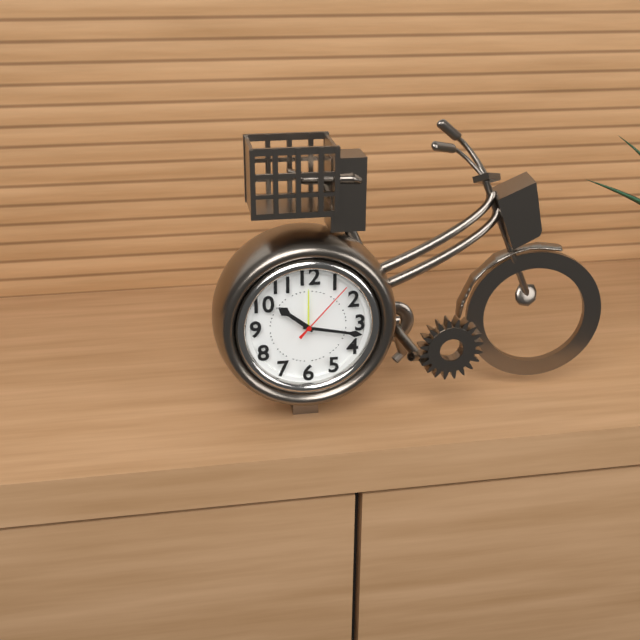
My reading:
h=10 m=17 s=7
